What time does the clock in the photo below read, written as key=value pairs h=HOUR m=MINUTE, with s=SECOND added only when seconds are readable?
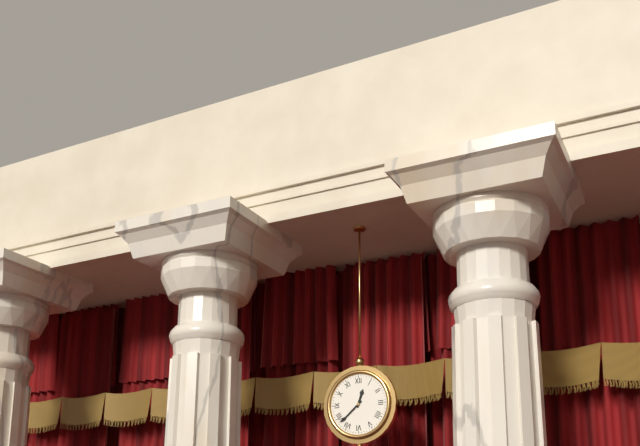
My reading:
h=12 m=38
